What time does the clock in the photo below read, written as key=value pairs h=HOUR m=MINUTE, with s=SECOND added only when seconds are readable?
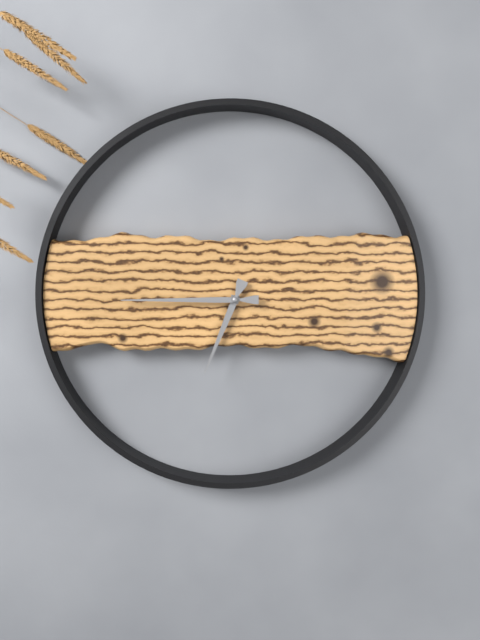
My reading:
h=6 m=45
